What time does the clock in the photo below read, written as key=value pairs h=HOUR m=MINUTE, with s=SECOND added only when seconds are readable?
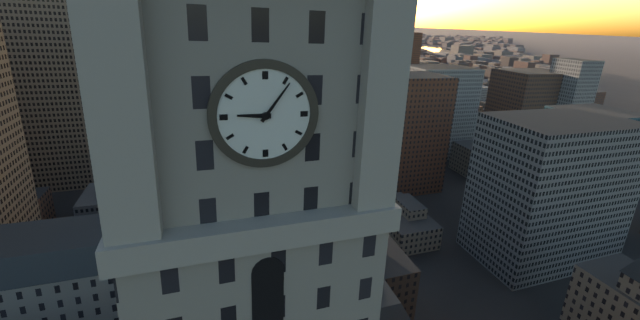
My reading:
h=9 m=6
